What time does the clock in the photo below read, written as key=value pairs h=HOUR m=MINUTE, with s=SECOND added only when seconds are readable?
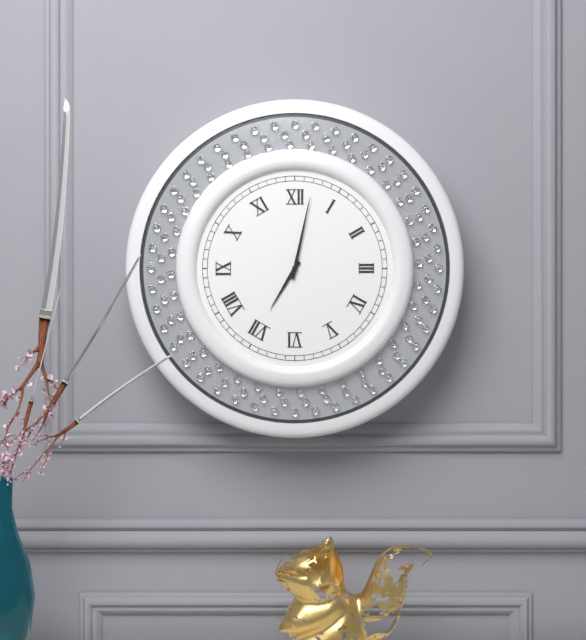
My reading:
h=7 m=2
